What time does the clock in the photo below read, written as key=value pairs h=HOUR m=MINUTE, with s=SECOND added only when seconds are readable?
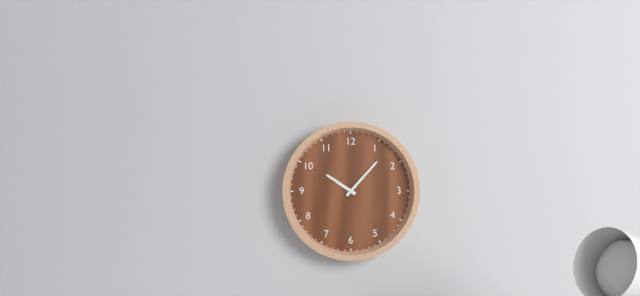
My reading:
h=10 m=7
